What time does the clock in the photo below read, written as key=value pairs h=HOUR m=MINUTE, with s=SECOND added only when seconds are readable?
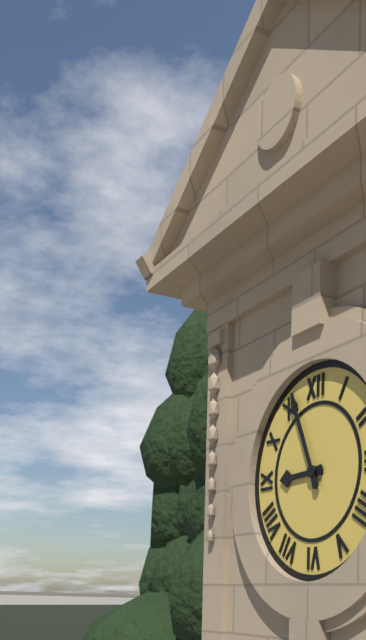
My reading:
h=8 m=56
